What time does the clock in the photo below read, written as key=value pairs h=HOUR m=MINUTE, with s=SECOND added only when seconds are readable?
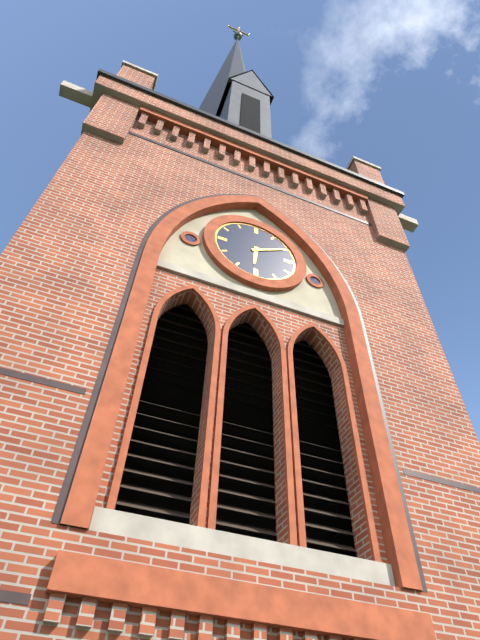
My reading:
h=6 m=10
